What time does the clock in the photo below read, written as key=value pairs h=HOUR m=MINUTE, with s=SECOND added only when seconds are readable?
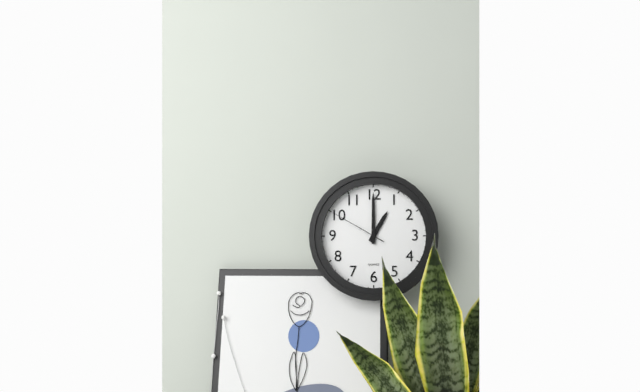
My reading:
h=1 m=0 s=50
